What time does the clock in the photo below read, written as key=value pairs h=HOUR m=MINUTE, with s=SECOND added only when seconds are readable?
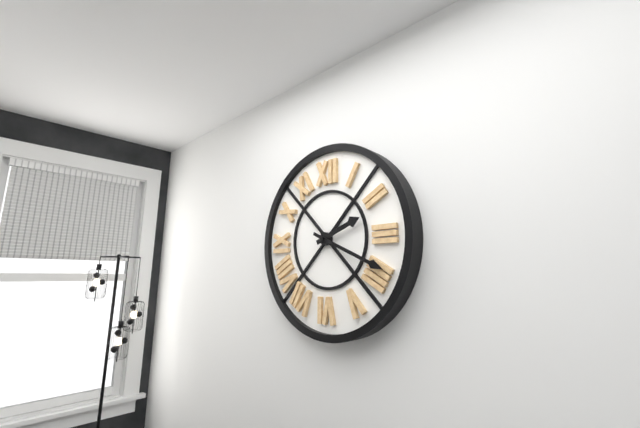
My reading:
h=2 m=19
